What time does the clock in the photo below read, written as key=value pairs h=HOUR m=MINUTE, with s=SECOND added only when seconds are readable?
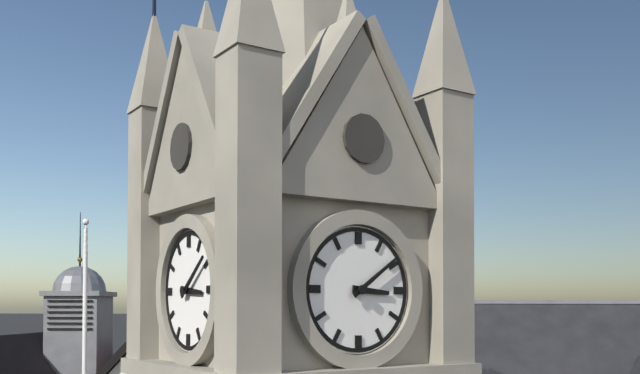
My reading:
h=3 m=9
